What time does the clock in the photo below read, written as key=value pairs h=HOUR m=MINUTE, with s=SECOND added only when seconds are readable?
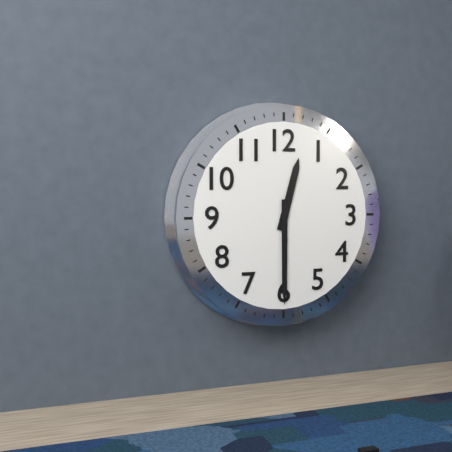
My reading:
h=12 m=30
